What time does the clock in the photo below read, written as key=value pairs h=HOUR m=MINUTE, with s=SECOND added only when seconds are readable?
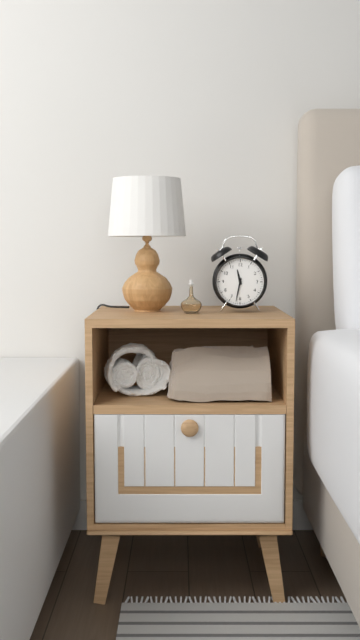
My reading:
h=11 m=32
